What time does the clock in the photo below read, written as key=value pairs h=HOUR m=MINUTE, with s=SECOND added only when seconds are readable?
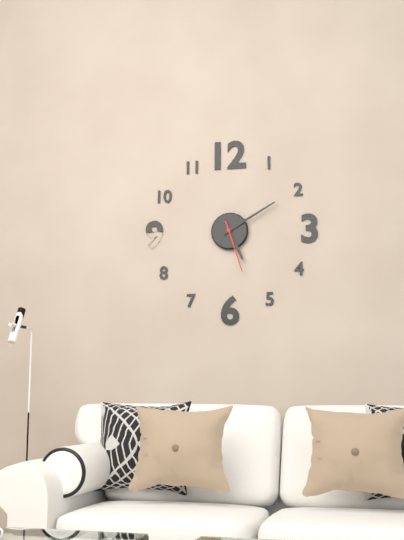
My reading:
h=5 m=10 s=27
